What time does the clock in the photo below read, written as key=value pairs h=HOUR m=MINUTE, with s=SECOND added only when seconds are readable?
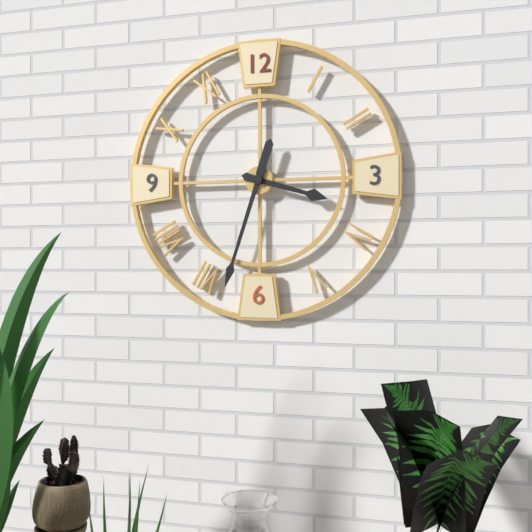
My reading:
h=3 m=33
